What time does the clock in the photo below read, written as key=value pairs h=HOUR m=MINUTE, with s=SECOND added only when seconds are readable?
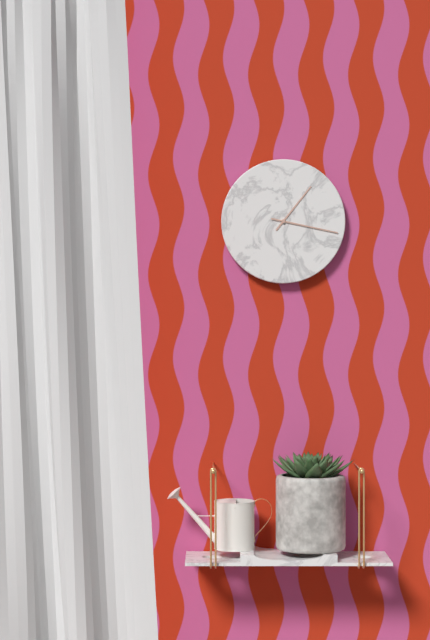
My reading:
h=1 m=17
